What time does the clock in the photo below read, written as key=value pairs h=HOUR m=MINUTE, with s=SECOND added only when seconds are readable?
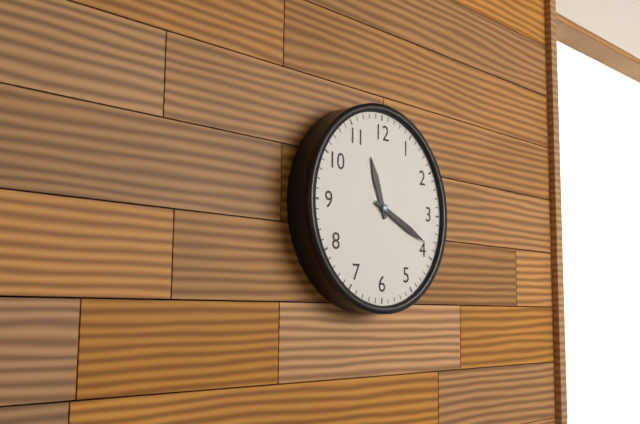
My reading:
h=11 m=19
